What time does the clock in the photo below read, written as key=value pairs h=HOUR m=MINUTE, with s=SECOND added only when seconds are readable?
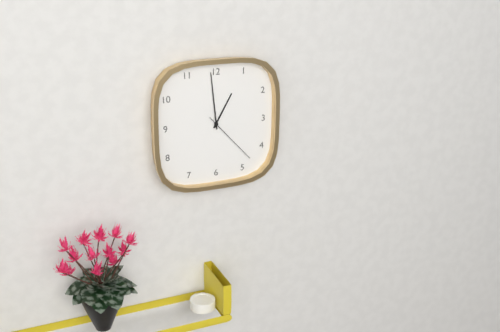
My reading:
h=12 m=59 s=23
